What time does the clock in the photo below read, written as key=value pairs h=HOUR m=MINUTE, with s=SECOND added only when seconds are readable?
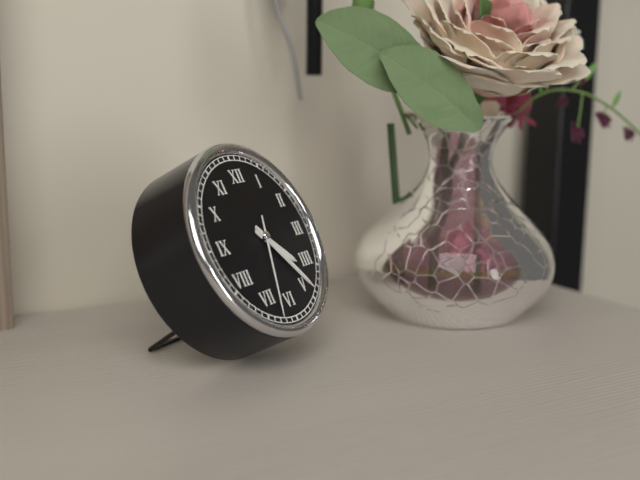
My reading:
h=4 m=24 s=33
